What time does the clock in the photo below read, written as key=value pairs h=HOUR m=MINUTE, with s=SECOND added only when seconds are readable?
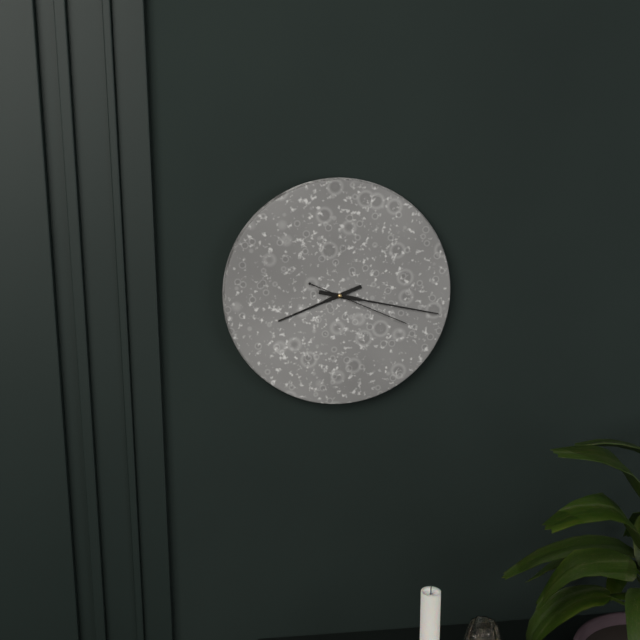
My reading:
h=8 m=17 s=19
